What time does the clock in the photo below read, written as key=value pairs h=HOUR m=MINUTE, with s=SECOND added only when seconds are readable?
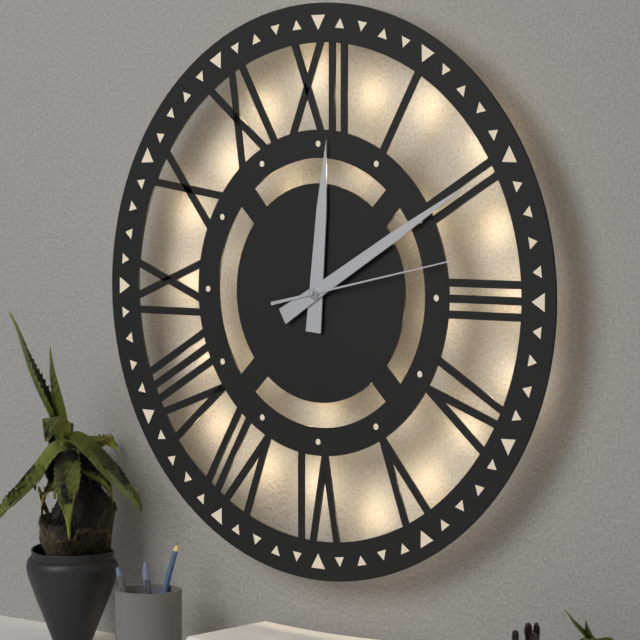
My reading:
h=12 m=10 s=13
